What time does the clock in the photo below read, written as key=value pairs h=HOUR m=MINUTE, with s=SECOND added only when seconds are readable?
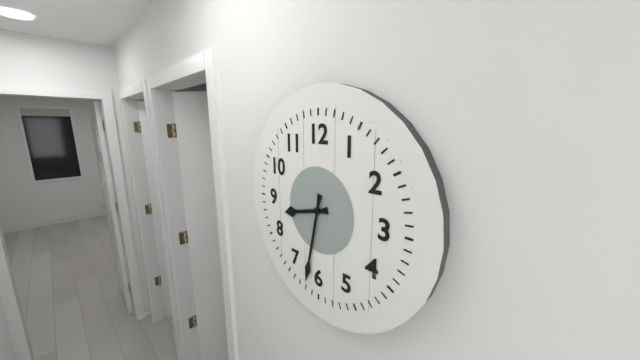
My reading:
h=8 m=32
